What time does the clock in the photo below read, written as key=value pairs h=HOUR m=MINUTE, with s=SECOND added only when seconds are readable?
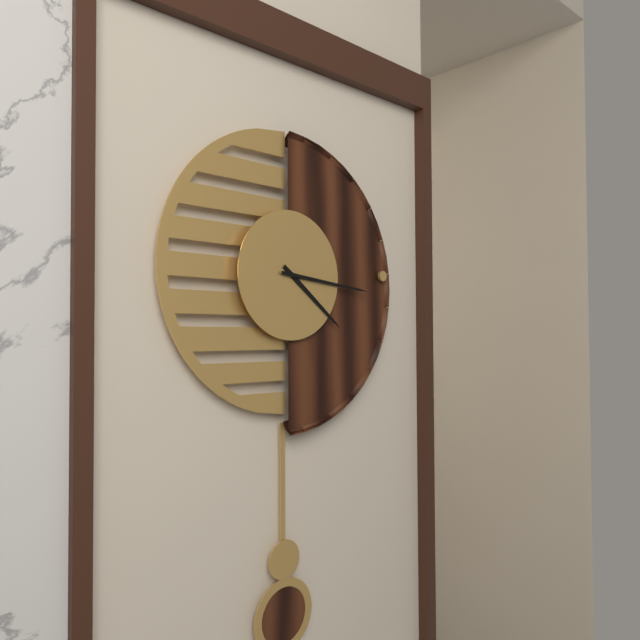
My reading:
h=4 m=16
